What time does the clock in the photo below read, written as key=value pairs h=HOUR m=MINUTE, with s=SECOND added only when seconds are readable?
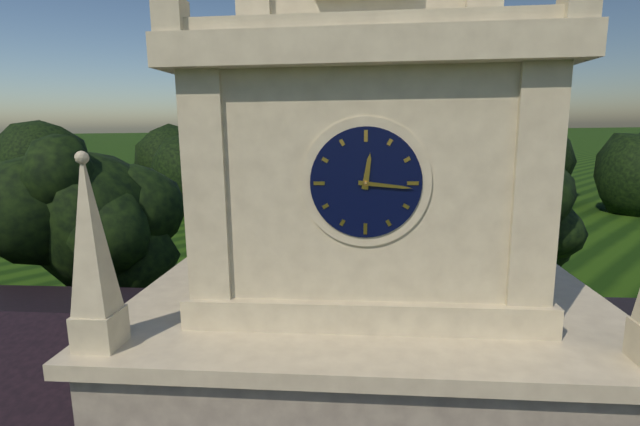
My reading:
h=12 m=16
